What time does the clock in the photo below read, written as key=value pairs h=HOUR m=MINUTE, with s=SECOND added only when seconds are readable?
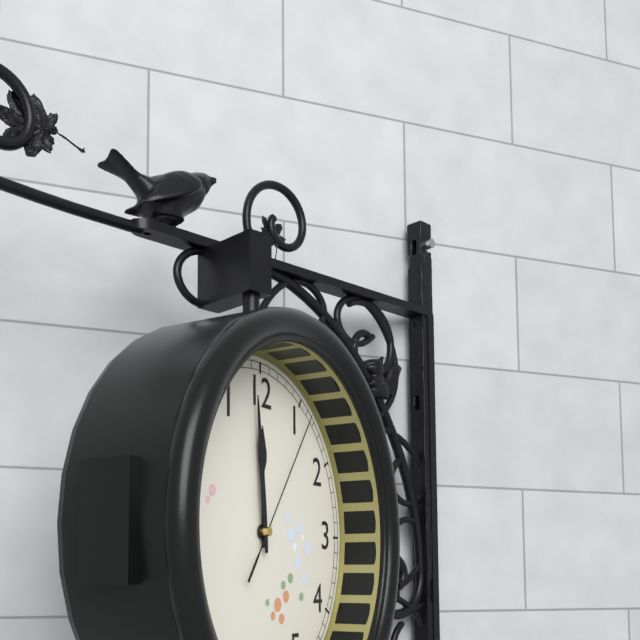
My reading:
h=11 m=59 s=6
